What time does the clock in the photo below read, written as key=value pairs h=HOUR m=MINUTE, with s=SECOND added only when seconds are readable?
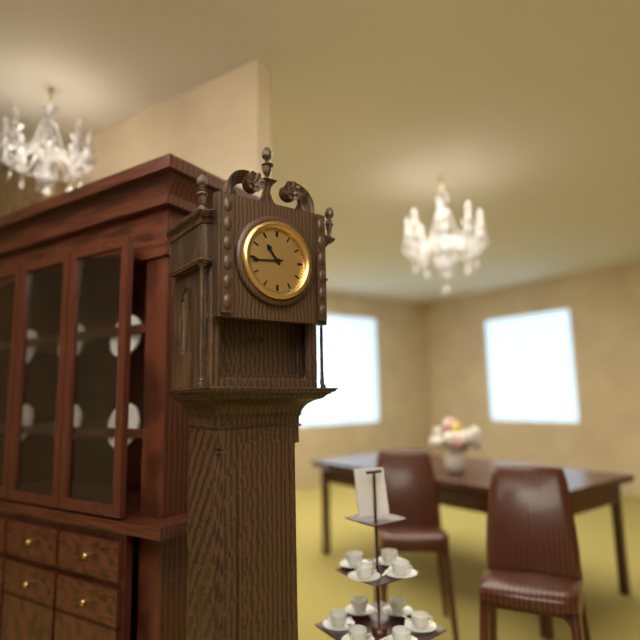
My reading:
h=10 m=44
